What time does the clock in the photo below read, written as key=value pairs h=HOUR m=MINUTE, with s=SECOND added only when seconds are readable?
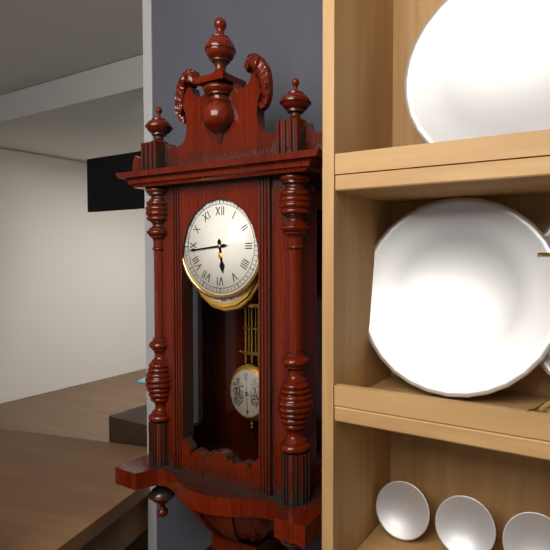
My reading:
h=5 m=44
